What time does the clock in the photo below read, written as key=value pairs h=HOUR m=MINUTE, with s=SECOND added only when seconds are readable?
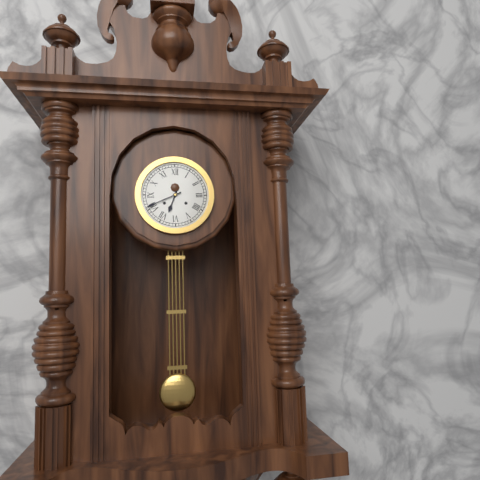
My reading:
h=6 m=41
